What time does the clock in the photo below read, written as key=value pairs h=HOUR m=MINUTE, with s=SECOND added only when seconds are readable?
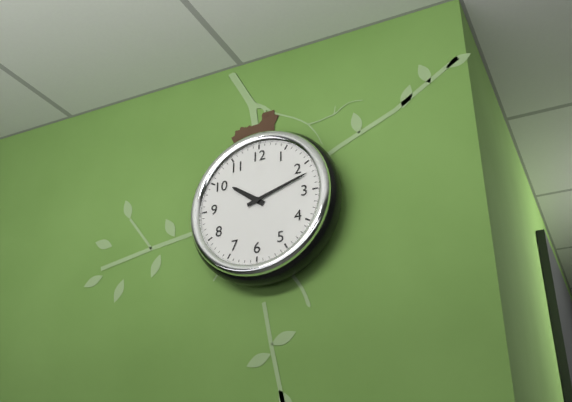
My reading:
h=10 m=12
